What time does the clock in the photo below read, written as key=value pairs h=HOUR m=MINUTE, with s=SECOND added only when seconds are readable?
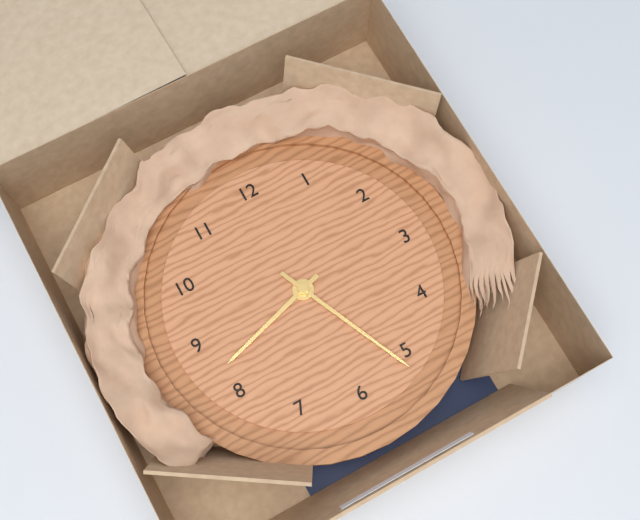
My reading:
h=8 m=26
